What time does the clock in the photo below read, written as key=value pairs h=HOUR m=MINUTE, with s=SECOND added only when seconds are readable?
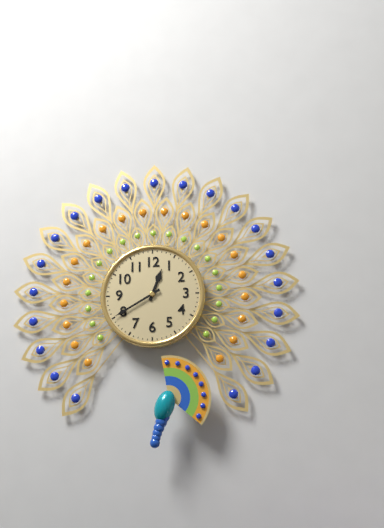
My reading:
h=12 m=40
